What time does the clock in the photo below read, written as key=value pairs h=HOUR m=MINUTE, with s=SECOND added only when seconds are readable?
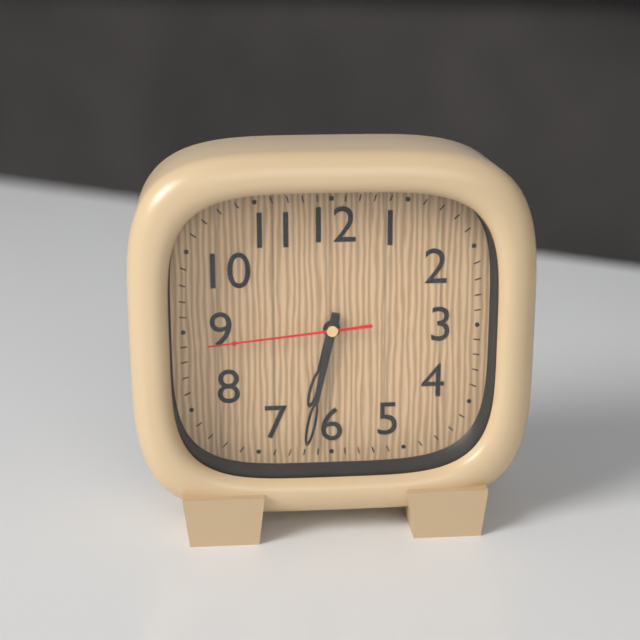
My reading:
h=6 m=32 s=44
